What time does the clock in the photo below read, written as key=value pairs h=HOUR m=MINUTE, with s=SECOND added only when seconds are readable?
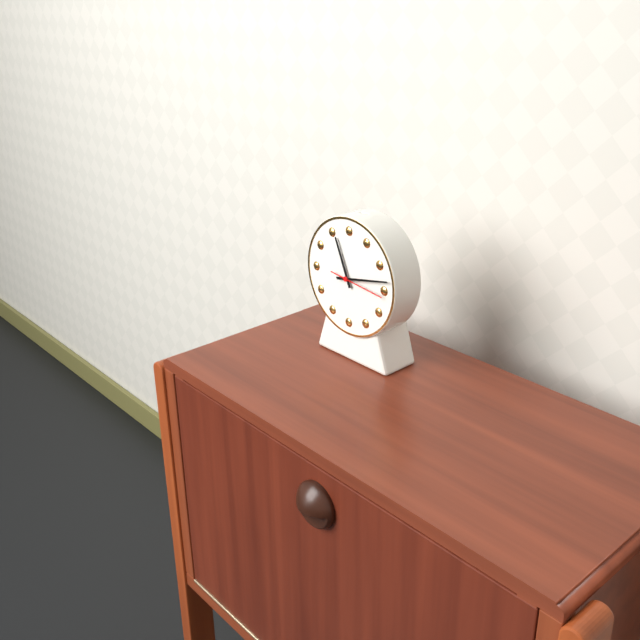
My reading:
h=11 m=13 s=16
